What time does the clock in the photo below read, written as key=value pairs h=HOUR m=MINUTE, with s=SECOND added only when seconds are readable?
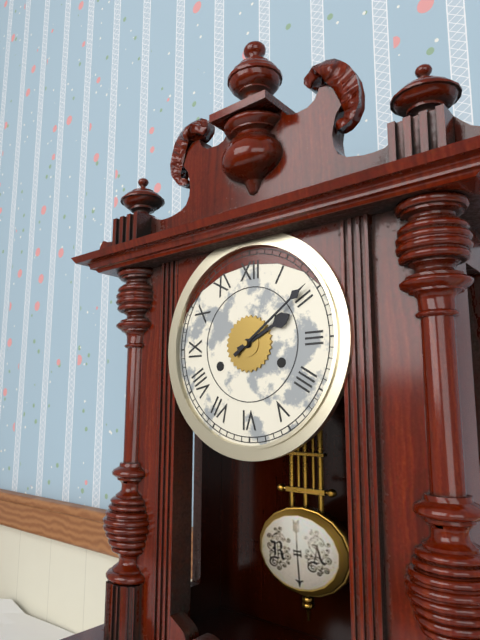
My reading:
h=2 m=9
